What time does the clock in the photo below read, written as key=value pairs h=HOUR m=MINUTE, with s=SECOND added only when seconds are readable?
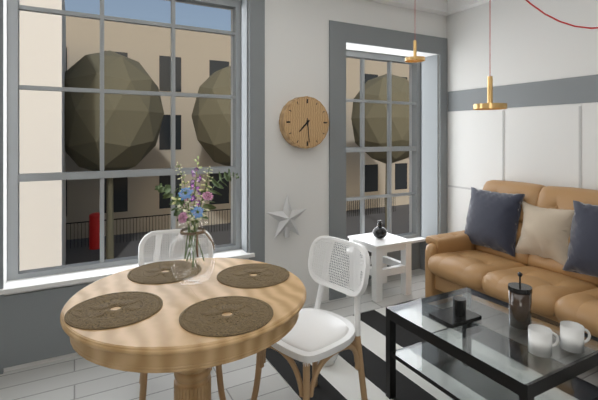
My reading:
h=7 m=29
